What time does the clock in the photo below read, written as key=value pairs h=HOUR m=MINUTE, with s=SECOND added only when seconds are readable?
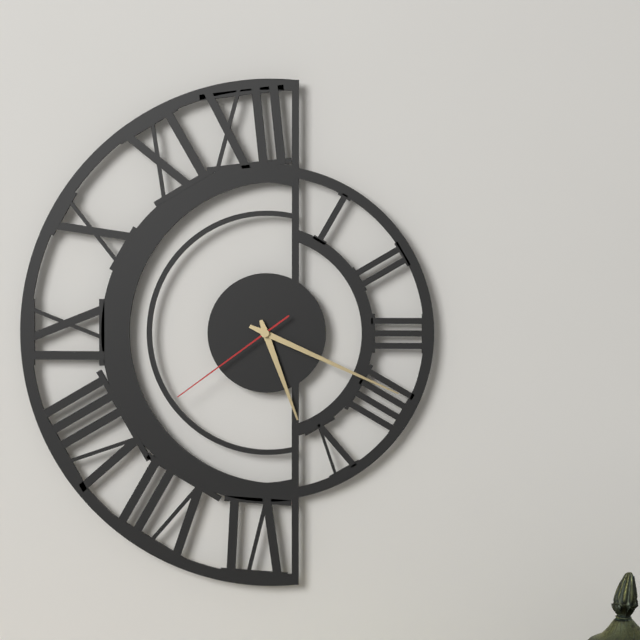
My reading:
h=5 m=19 s=39
